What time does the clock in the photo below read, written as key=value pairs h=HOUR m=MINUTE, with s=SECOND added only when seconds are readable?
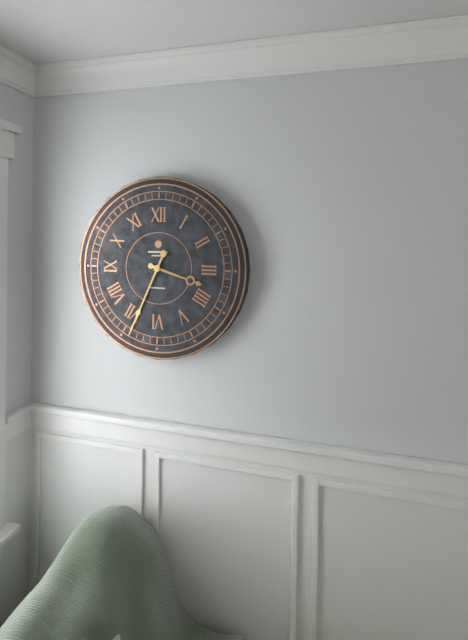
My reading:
h=3 m=34
